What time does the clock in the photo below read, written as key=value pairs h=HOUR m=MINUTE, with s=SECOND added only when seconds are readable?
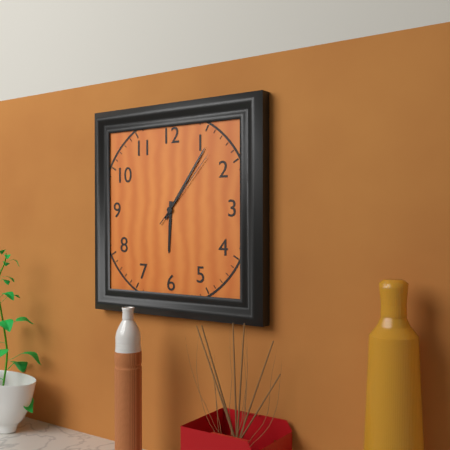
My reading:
h=6 m=6 s=7
